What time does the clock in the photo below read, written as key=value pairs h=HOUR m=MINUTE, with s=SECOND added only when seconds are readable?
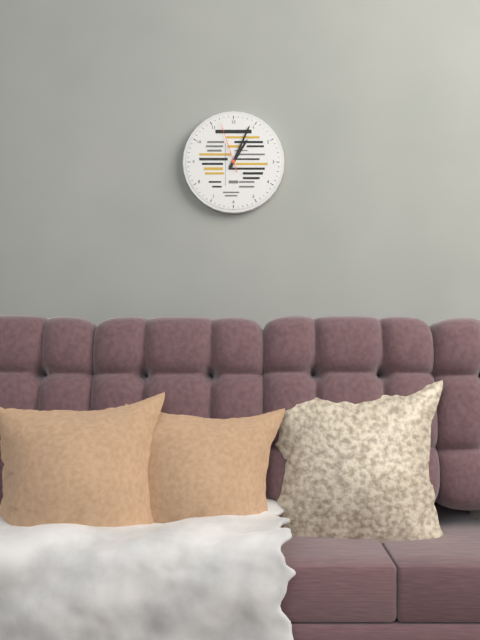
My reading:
h=1 m=4 s=57
